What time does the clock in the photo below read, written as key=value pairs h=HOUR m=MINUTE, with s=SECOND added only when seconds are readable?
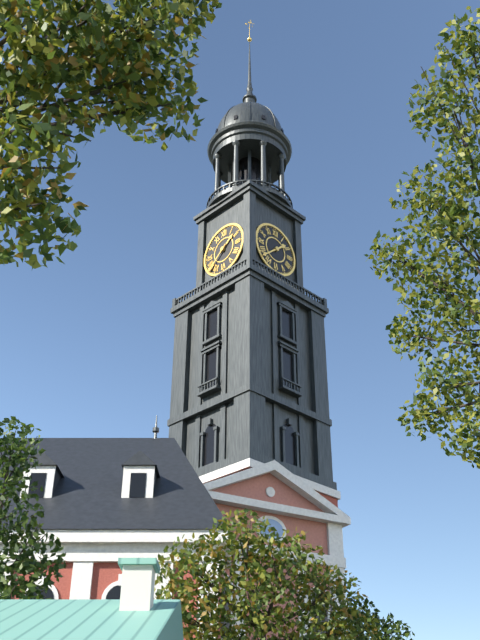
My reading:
h=1 m=38
